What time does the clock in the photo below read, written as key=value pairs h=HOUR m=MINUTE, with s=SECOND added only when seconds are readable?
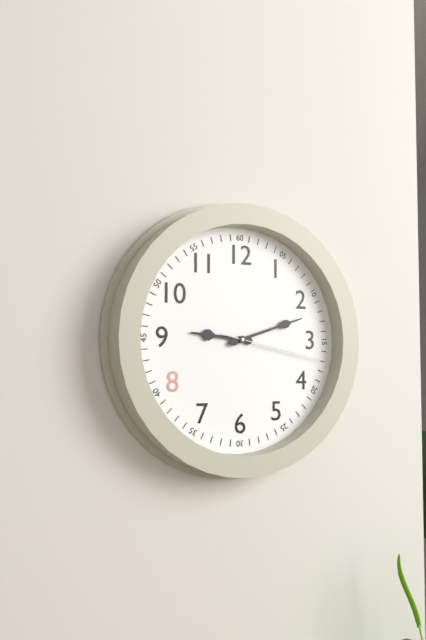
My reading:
h=9 m=12 s=17
